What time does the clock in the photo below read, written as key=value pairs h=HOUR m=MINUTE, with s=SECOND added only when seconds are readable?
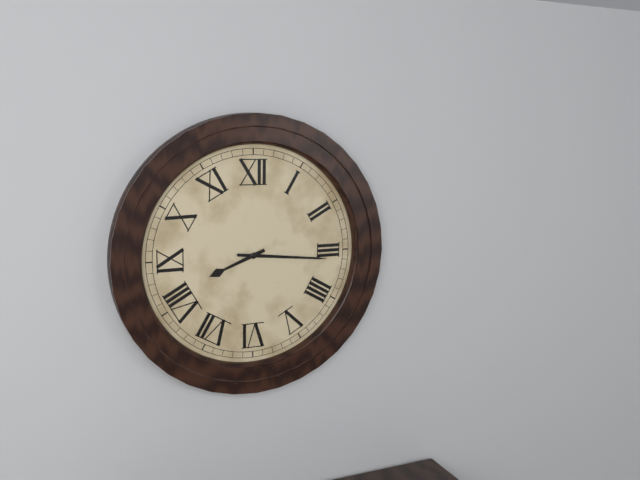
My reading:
h=8 m=16
